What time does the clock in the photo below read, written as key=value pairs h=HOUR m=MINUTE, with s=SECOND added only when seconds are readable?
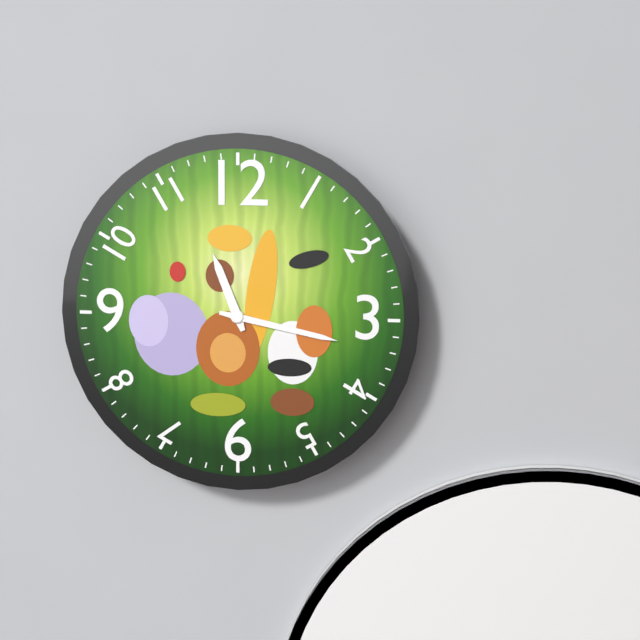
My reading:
h=11 m=17
